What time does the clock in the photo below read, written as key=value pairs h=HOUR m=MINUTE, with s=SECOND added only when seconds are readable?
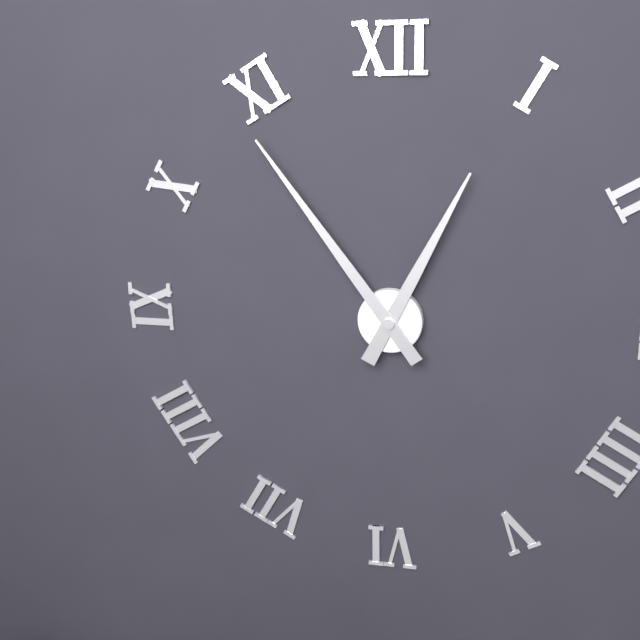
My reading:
h=12 m=54
